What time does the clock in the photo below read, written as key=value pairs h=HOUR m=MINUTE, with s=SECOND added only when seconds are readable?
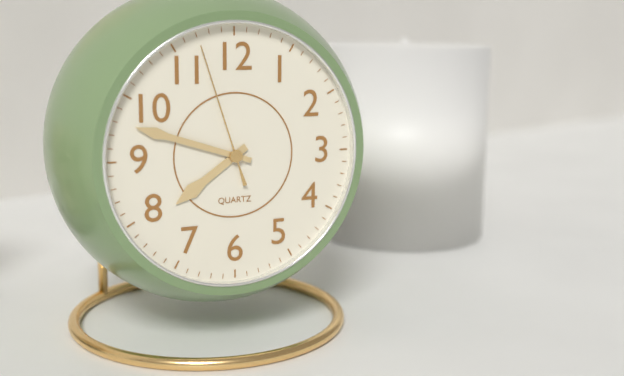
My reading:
h=7 m=48 s=57
